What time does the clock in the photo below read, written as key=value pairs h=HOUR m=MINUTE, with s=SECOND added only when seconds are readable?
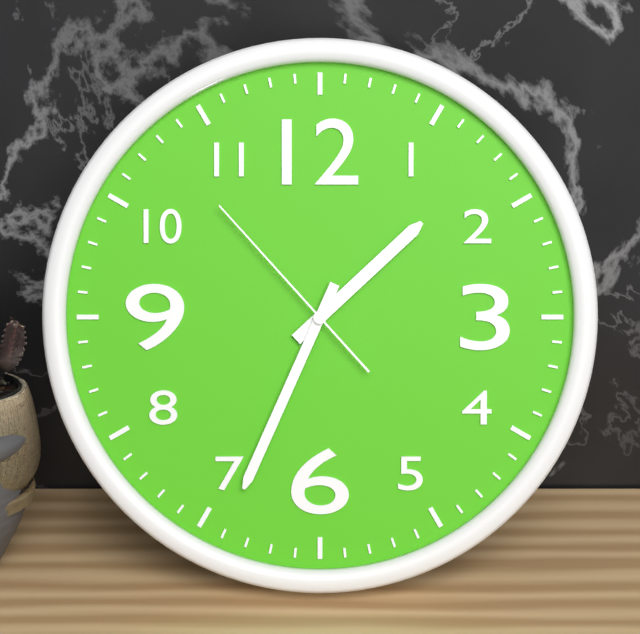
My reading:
h=1 m=34 s=53
